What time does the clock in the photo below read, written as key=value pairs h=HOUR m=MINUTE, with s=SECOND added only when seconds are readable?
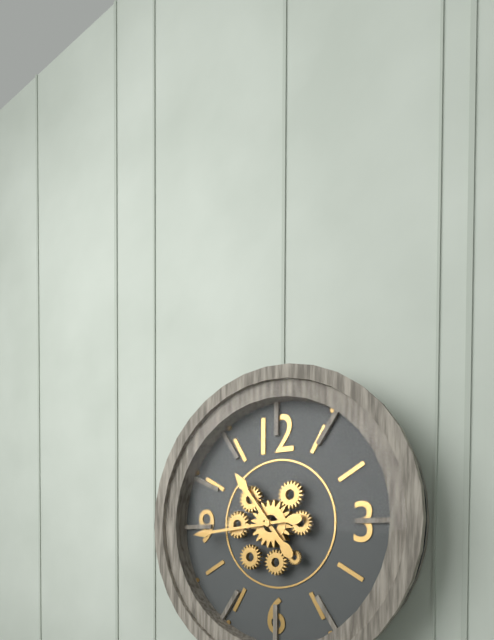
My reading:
h=10 m=44
